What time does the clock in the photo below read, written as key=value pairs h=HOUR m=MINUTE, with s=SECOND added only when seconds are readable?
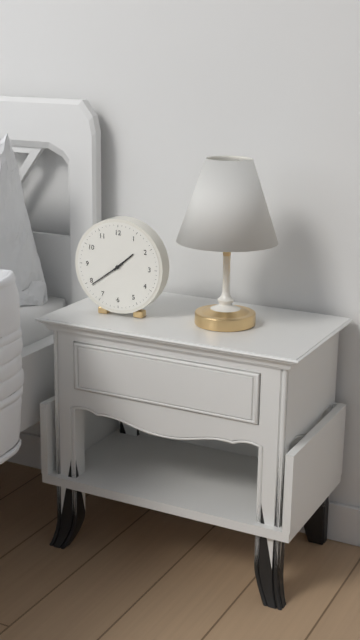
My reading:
h=1 m=39
